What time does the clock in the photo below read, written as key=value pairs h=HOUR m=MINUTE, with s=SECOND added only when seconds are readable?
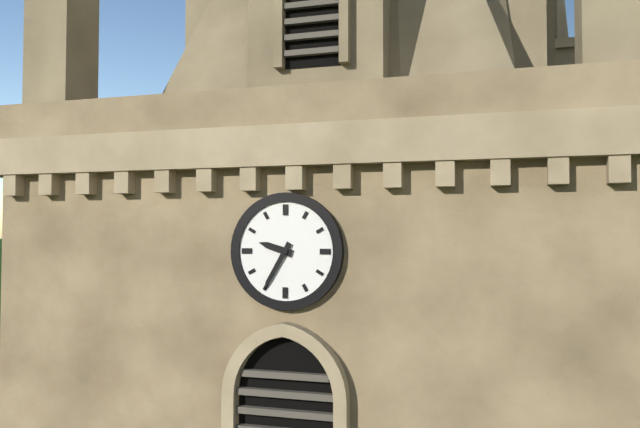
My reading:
h=9 m=35
